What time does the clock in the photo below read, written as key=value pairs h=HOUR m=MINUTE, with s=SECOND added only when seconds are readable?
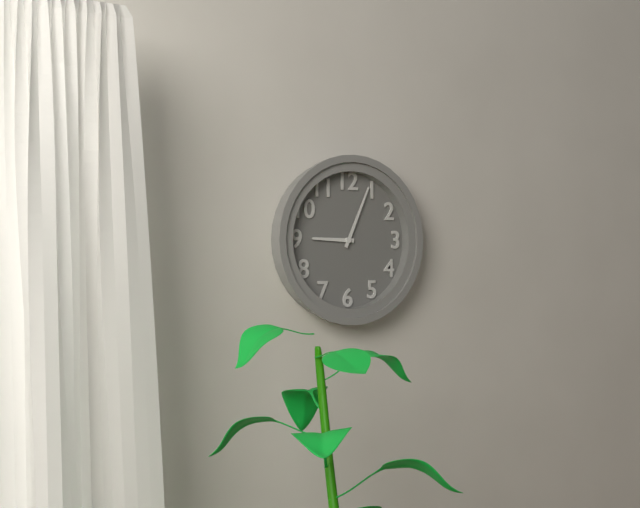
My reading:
h=9 m=4
